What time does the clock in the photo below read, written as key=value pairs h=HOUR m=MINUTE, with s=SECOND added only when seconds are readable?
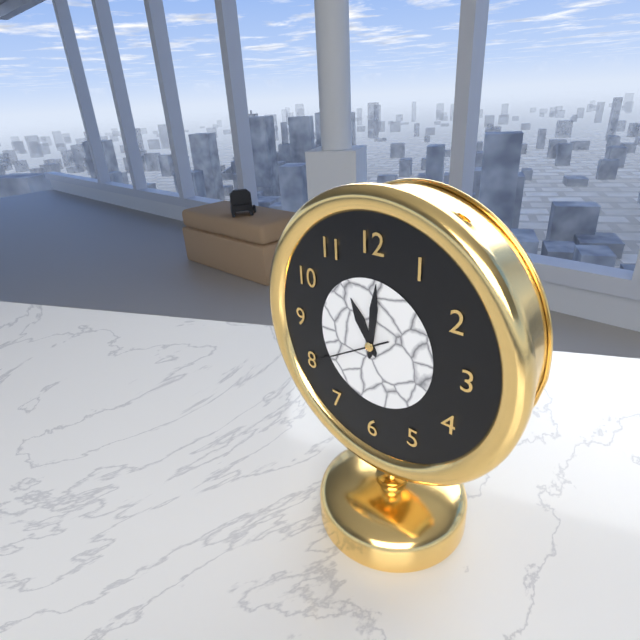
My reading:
h=11 m=1 s=40
